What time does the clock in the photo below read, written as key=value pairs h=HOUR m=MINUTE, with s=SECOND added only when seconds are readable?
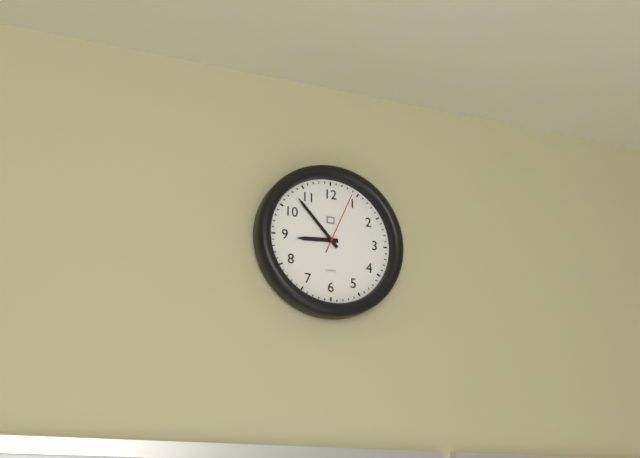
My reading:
h=8 m=53 s=4
